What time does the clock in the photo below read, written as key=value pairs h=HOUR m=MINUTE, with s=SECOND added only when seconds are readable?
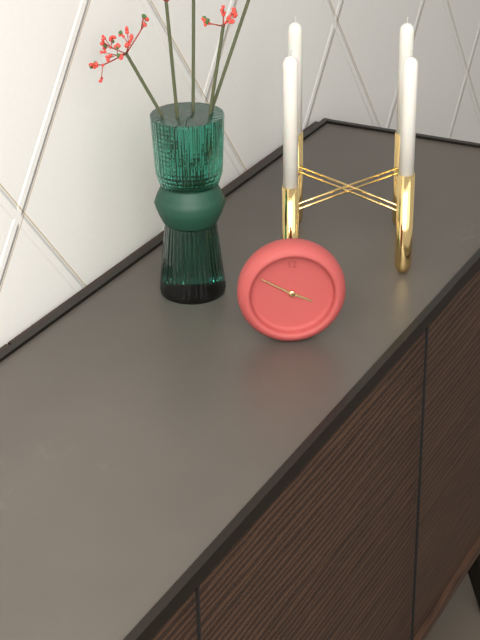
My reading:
h=3 m=50
